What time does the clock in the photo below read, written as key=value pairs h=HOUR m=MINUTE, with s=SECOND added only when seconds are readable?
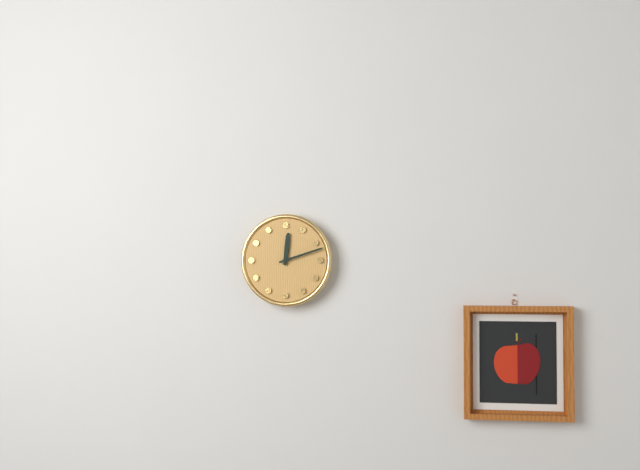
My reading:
h=12 m=12
